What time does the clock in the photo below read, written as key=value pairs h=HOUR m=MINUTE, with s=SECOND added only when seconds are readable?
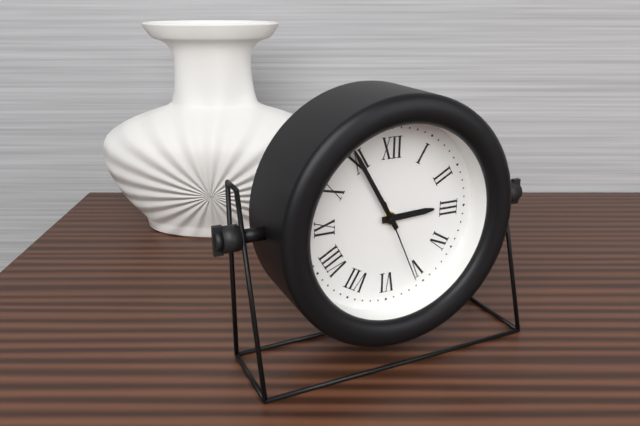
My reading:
h=2 m=55 s=26
